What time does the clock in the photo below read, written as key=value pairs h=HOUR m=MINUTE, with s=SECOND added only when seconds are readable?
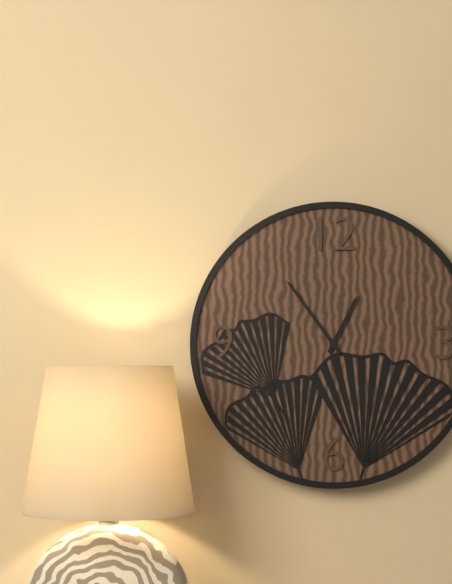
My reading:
h=12 m=54
